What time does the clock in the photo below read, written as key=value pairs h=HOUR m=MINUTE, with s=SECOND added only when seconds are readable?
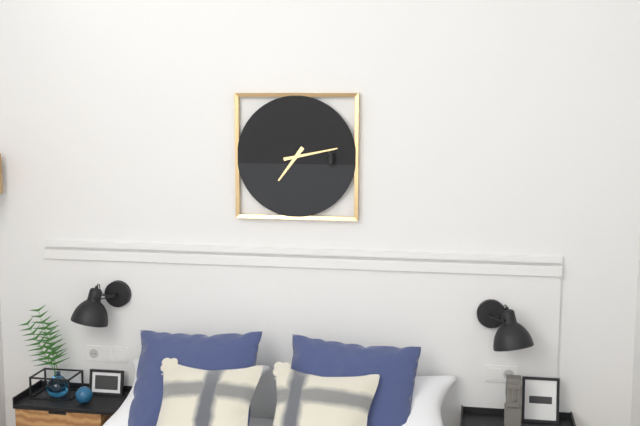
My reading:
h=7 m=13
